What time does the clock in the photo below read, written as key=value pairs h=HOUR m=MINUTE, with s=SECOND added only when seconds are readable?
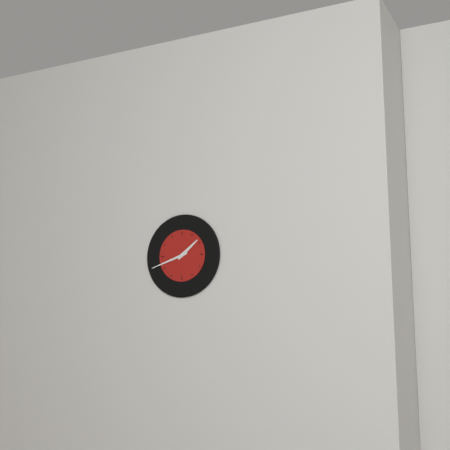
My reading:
h=1 m=42
